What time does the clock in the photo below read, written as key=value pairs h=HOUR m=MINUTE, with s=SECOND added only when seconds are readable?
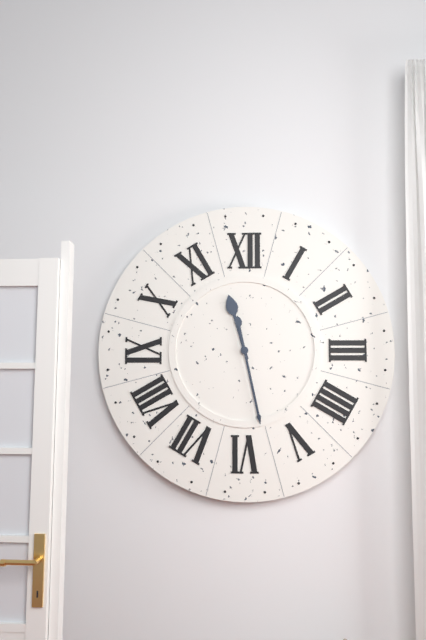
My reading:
h=11 m=28
